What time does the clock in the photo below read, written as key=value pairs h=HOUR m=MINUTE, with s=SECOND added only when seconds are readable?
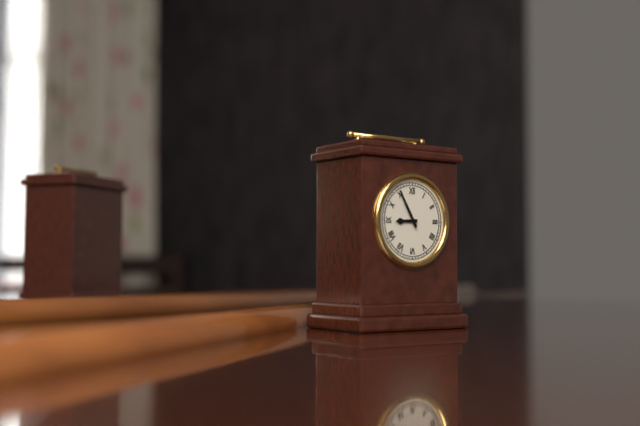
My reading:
h=8 m=55
